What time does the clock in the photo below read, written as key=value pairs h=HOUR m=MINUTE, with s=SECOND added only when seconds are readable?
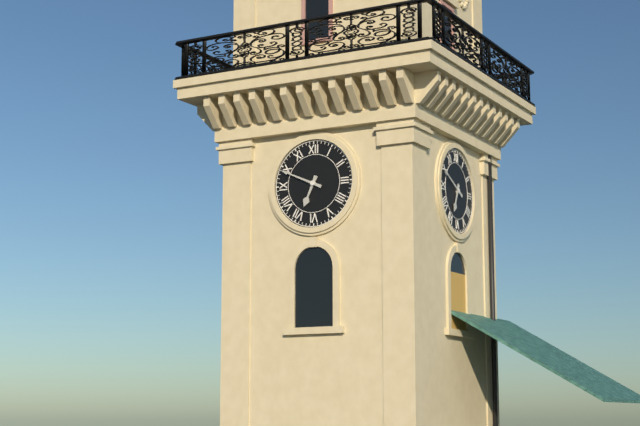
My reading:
h=6 m=49
